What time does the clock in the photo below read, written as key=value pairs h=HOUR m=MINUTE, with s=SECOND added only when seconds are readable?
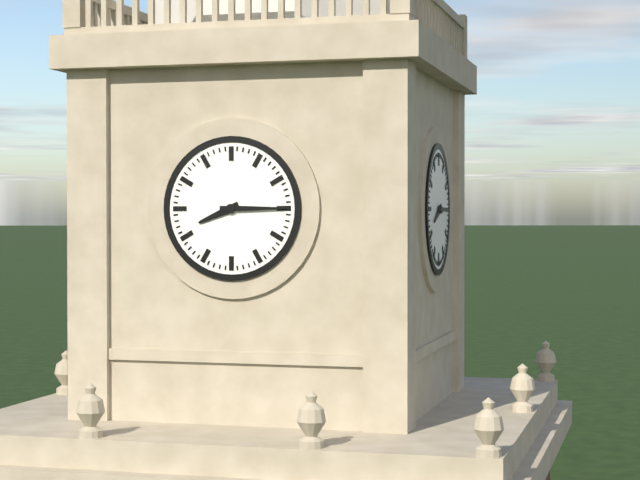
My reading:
h=8 m=15
